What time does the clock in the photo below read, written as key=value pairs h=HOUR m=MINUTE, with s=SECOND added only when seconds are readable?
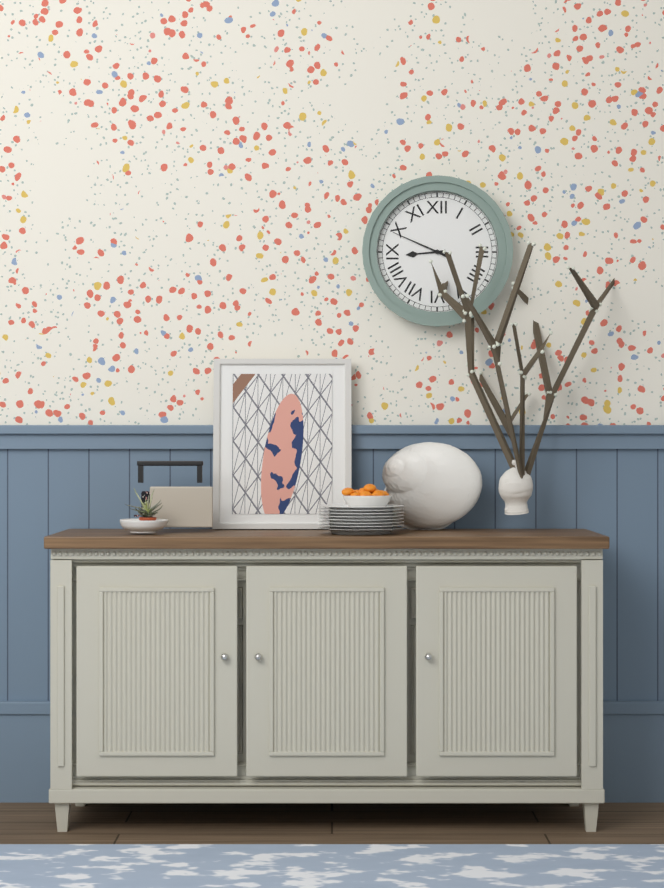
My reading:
h=8 m=49
